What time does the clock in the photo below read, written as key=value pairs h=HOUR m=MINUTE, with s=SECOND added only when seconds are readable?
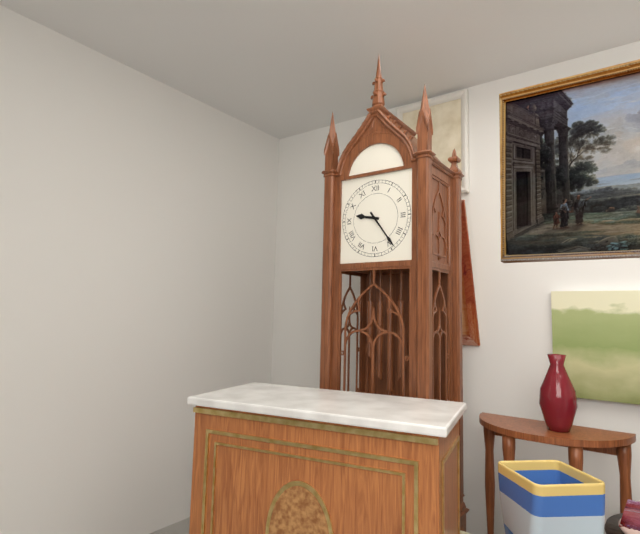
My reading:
h=9 m=24
